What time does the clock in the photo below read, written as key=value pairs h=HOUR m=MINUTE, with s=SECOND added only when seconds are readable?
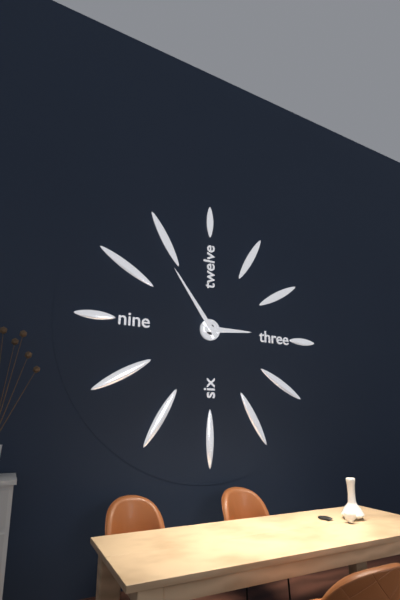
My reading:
h=2 m=54
